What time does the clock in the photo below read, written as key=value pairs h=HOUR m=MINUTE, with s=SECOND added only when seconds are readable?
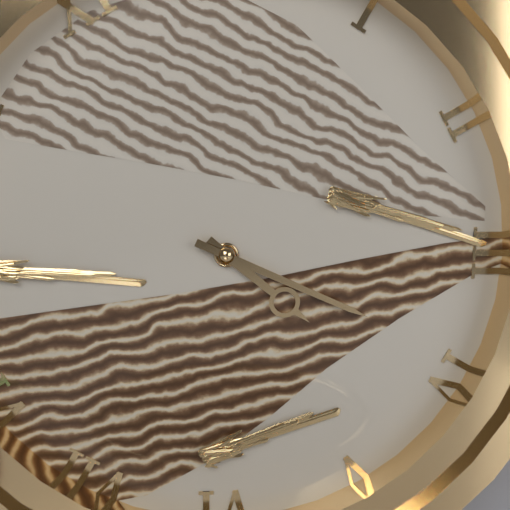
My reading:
h=4 m=19
